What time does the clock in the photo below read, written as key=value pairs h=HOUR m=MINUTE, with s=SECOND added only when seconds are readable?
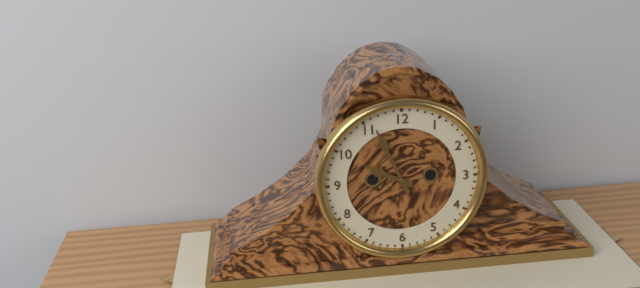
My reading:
h=9 m=56
